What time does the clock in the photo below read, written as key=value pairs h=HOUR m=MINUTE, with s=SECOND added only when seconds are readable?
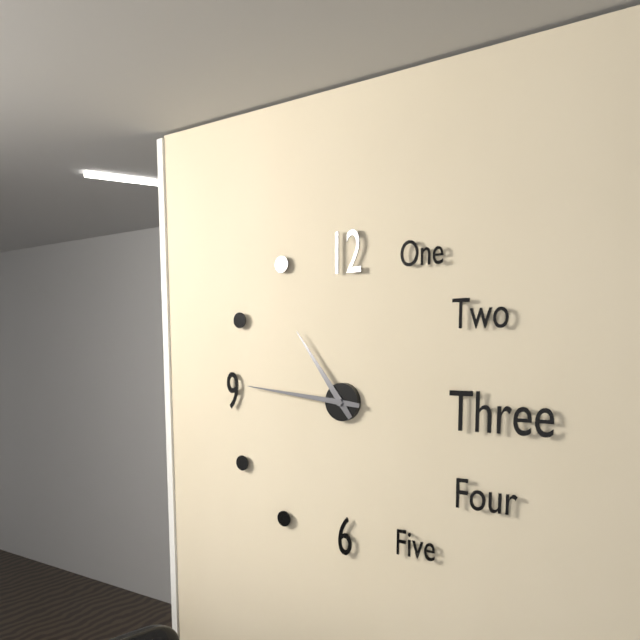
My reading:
h=10 m=46
